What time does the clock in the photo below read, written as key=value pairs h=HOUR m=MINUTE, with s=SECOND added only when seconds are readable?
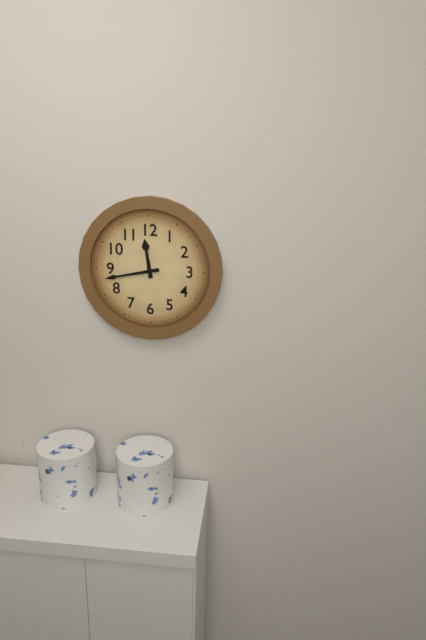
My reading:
h=11 m=43
